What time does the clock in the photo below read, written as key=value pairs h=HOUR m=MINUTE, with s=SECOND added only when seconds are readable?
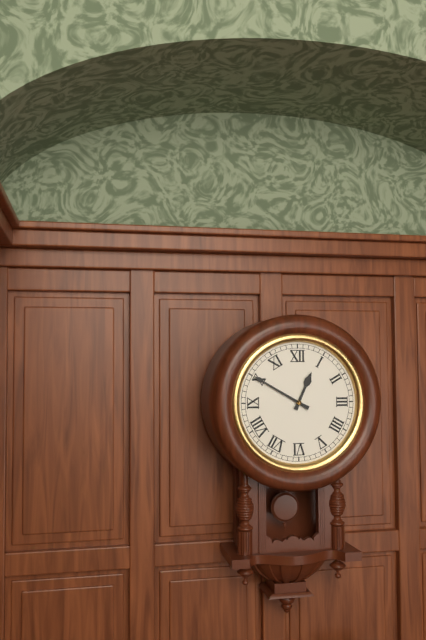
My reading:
h=12 m=50
